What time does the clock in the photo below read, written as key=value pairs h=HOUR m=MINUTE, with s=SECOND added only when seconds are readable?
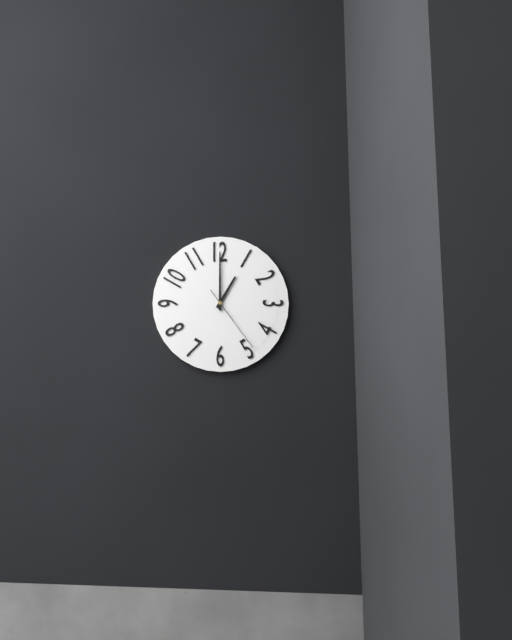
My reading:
h=1 m=0 s=24
